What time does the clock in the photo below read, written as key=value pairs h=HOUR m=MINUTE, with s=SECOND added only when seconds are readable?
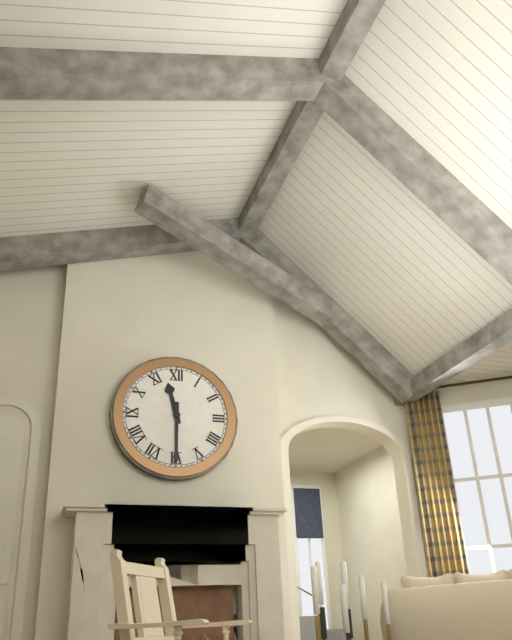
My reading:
h=11 m=30
